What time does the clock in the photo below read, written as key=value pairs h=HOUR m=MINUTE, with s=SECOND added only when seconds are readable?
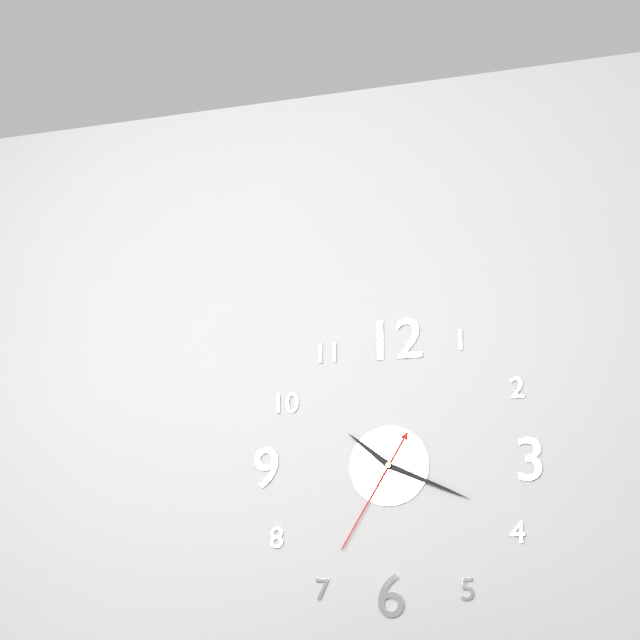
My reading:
h=10 m=19 s=35
